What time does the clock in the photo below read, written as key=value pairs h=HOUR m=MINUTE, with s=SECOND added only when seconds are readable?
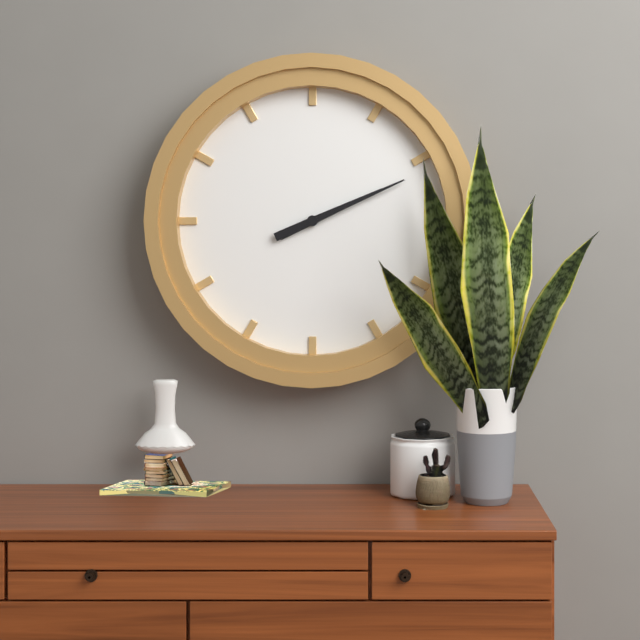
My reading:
h=2 m=11
